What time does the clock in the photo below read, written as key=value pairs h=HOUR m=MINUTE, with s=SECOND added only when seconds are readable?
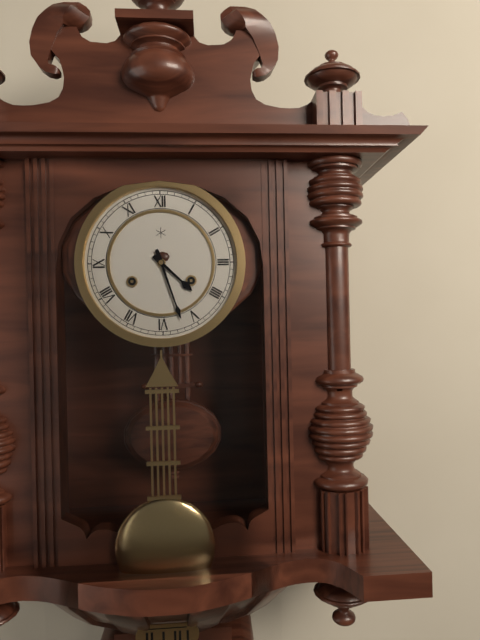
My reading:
h=4 m=27
